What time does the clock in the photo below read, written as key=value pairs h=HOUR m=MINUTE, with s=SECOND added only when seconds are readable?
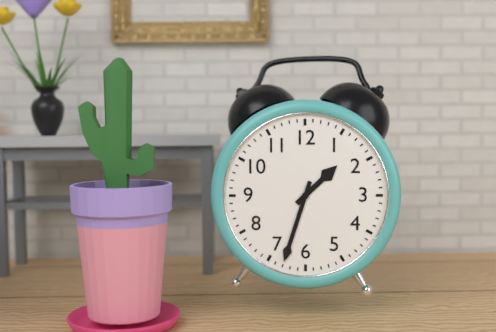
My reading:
h=1 m=33
